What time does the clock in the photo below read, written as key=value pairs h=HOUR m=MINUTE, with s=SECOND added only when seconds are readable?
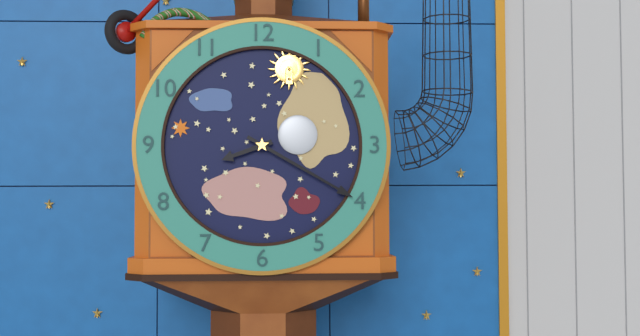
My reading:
h=8 m=20
